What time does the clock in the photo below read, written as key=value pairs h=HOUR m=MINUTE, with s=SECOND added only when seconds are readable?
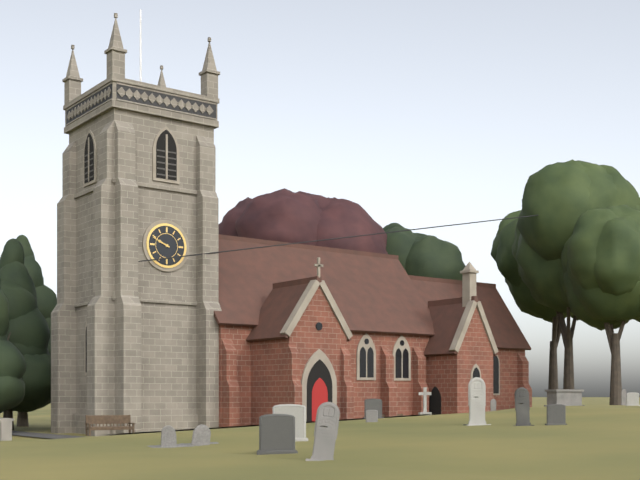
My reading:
h=9 m=49
